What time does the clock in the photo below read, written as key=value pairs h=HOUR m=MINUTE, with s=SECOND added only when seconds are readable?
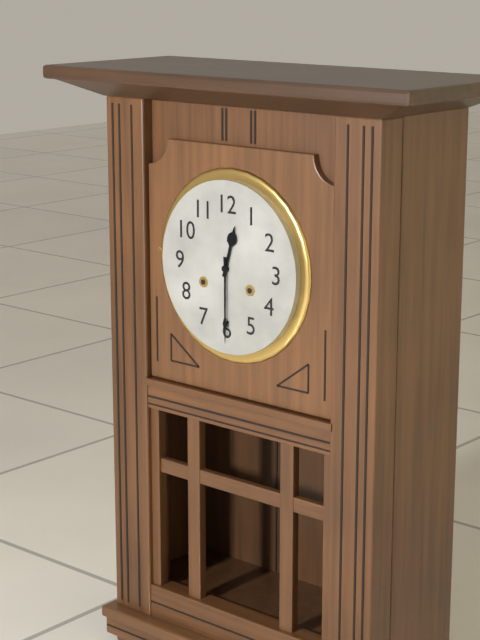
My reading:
h=12 m=30
